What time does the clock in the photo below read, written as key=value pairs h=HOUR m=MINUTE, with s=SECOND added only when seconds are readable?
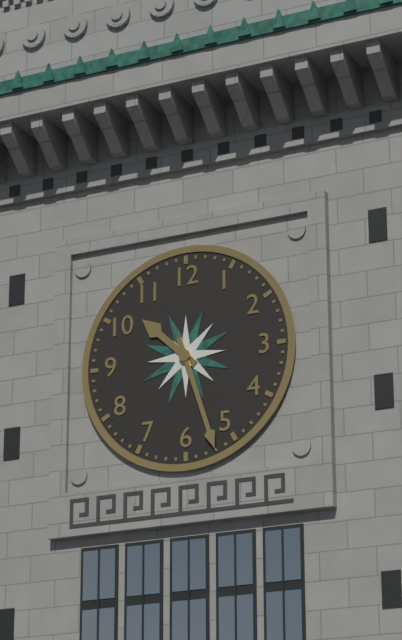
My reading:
h=10 m=27
